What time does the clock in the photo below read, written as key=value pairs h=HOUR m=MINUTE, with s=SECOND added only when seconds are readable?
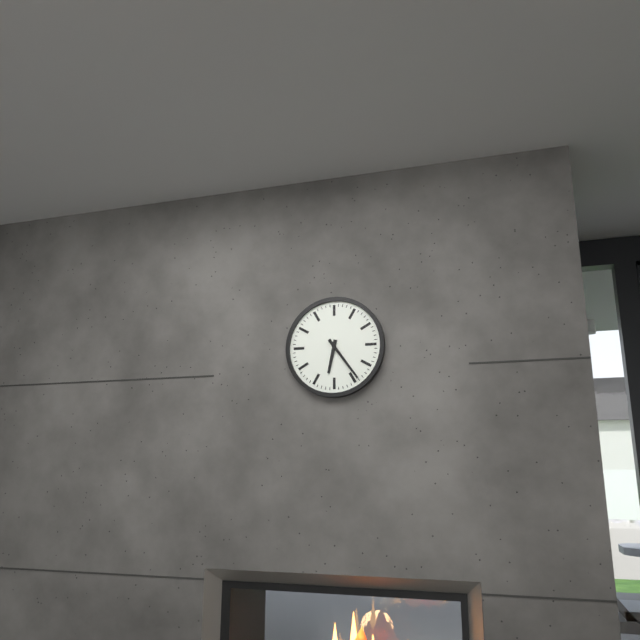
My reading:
h=6 m=24
